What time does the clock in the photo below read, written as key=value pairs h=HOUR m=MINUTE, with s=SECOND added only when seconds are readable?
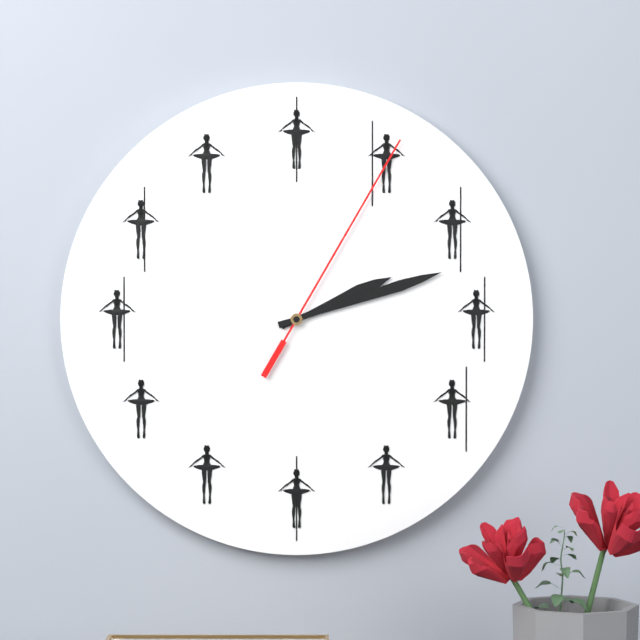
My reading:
h=2 m=12 s=5
